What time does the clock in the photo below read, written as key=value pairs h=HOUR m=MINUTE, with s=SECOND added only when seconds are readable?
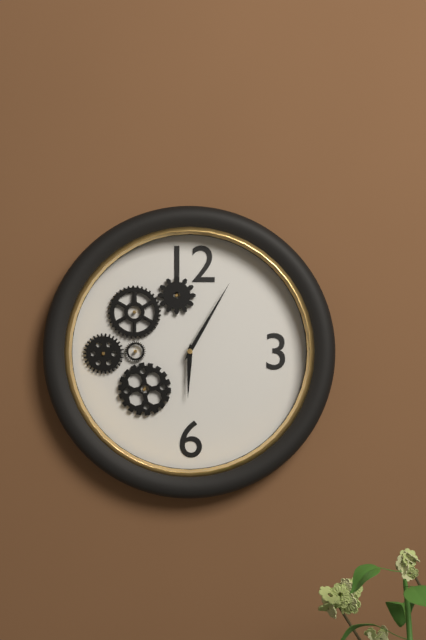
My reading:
h=6 m=5
